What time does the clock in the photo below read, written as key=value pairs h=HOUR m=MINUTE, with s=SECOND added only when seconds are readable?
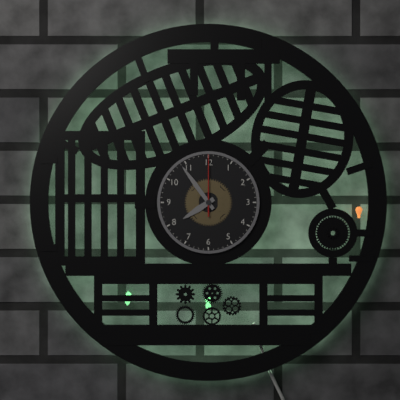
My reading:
h=7 m=54 s=0
